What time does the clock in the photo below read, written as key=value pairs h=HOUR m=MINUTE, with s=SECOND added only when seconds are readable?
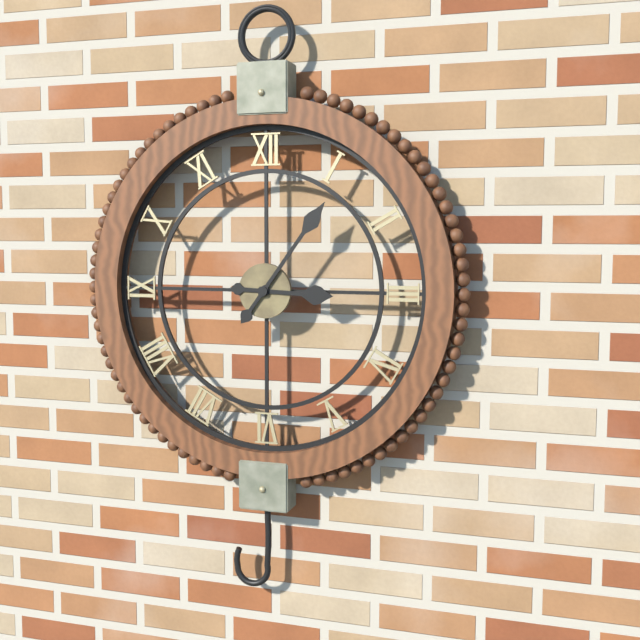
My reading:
h=3 m=6
